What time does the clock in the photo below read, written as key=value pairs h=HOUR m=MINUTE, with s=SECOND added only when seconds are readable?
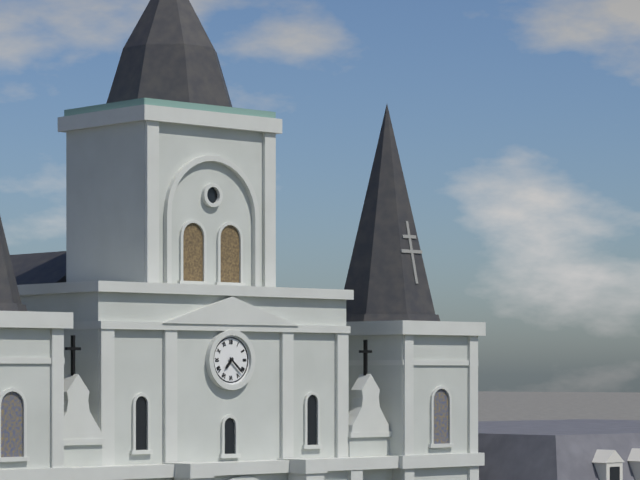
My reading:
h=7 m=22
